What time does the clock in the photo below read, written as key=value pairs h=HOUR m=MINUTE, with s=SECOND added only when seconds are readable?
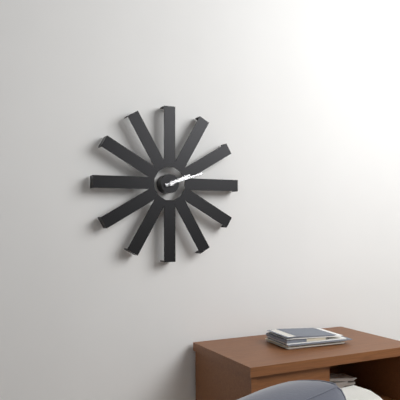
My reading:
h=2 m=12
